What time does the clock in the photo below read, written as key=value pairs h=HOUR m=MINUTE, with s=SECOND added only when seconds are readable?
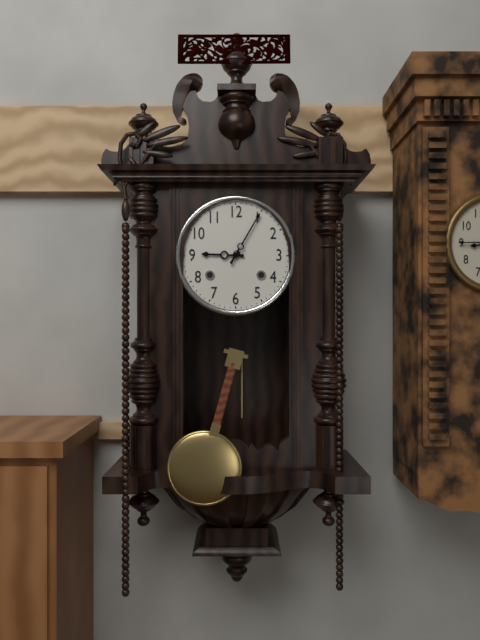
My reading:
h=9 m=5
